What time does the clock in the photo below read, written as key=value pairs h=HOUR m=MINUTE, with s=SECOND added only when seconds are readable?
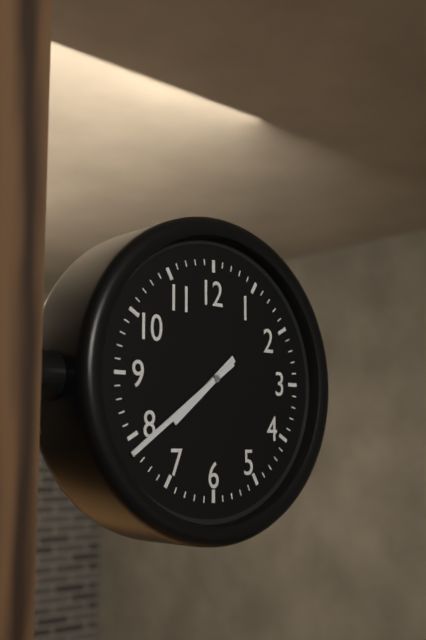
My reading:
h=7 m=39
